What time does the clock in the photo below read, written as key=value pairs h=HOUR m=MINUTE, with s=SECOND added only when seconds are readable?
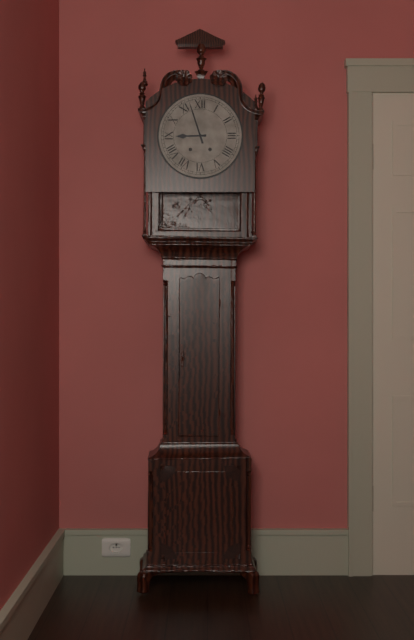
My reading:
h=8 m=57
